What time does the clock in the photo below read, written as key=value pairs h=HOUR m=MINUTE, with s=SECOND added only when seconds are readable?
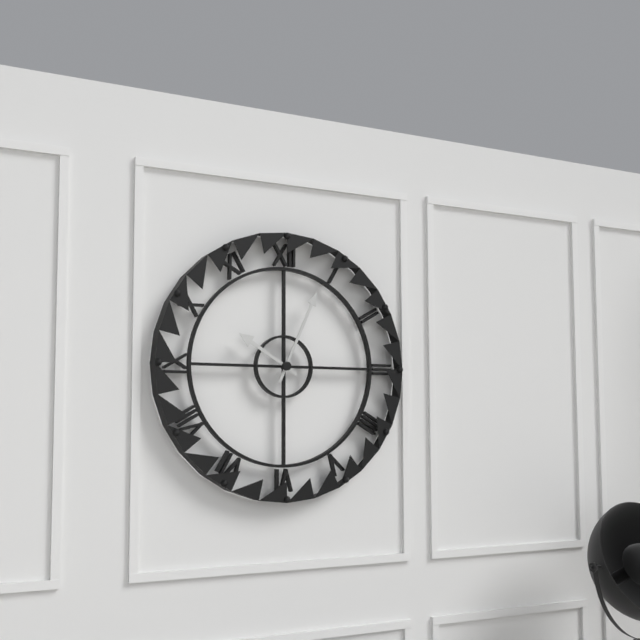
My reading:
h=10 m=4
